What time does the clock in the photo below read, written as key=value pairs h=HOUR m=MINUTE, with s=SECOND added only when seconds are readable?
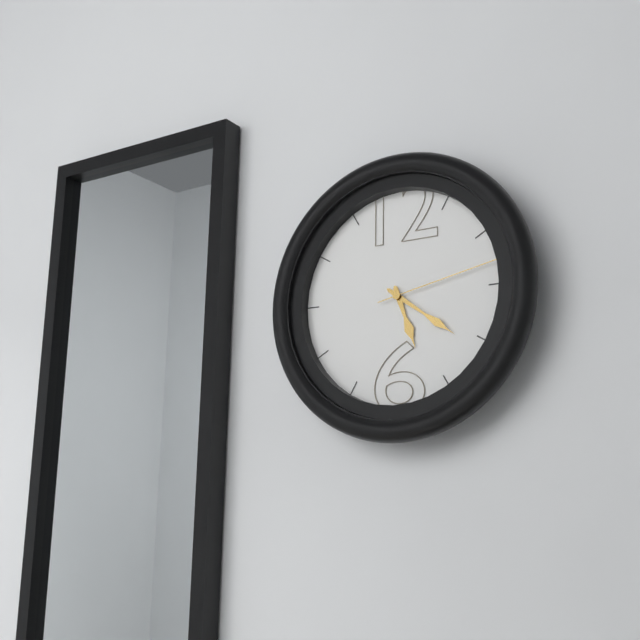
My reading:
h=5 m=21 s=13
